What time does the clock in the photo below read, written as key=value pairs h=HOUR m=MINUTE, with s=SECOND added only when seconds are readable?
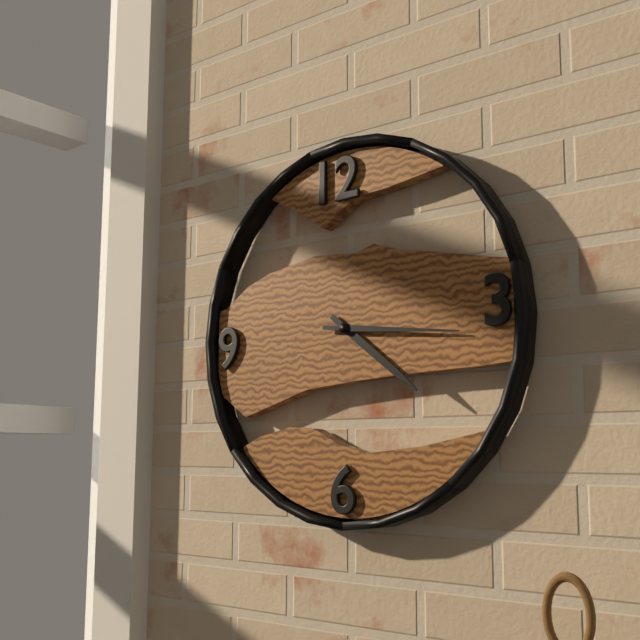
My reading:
h=4 m=16
